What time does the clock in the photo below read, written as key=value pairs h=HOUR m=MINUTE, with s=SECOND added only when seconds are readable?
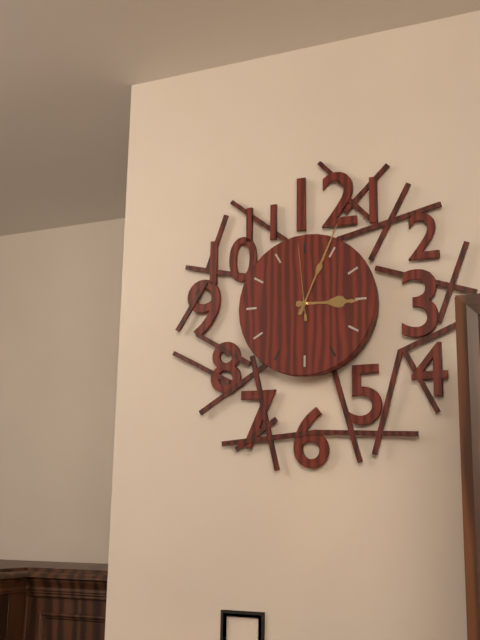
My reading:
h=3 m=4 s=59
